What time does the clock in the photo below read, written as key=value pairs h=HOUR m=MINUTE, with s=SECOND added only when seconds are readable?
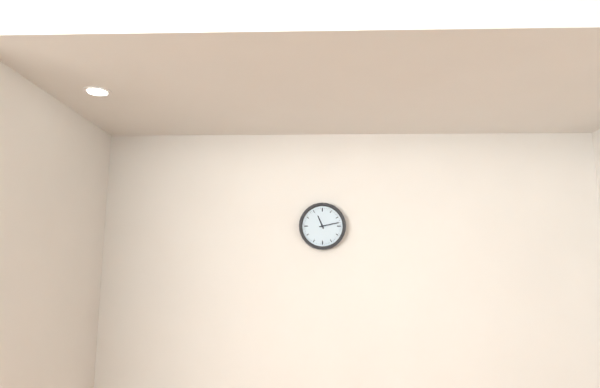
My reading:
h=11 m=13
